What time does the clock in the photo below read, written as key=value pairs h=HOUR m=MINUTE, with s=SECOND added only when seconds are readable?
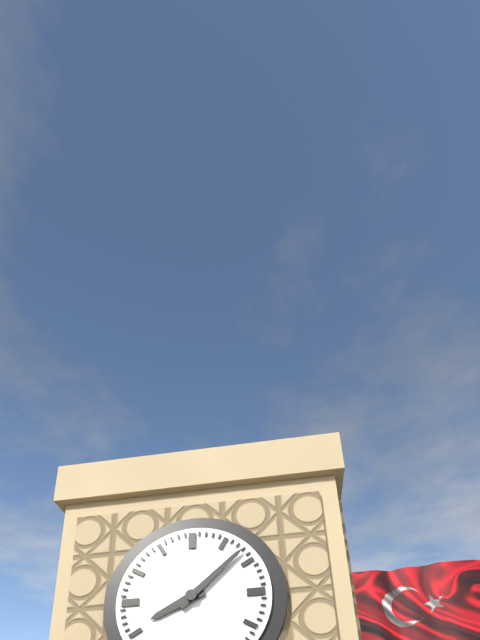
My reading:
h=8 m=8
